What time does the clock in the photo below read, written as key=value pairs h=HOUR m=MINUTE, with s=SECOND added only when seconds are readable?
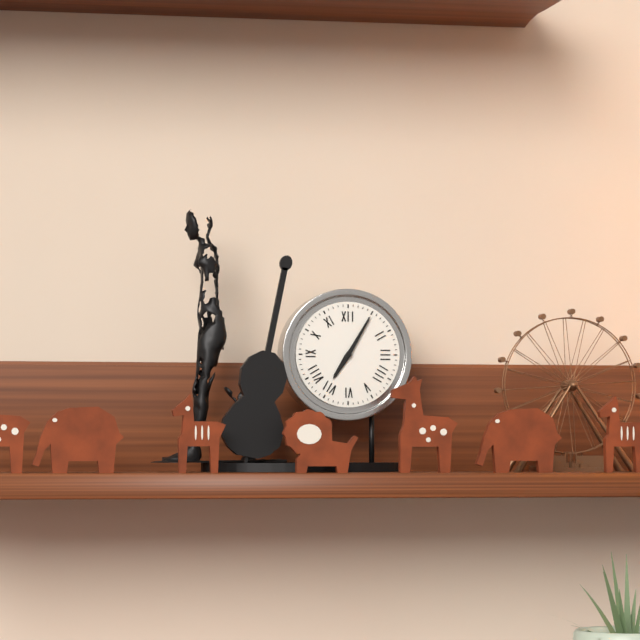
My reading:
h=7 m=5
